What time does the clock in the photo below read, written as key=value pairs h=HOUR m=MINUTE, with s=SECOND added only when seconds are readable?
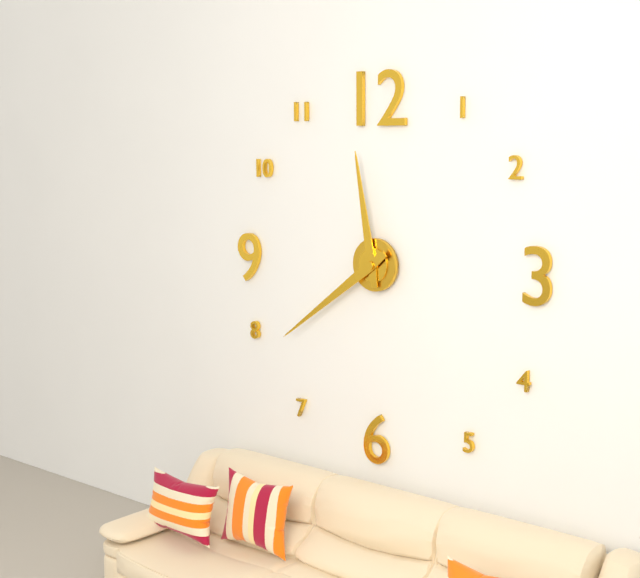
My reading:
h=11 m=39
